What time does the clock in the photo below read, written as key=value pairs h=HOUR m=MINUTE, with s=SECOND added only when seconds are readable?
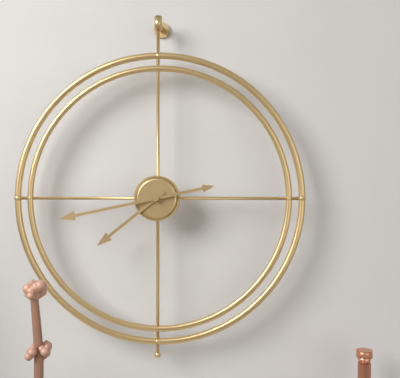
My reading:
h=7 m=43
